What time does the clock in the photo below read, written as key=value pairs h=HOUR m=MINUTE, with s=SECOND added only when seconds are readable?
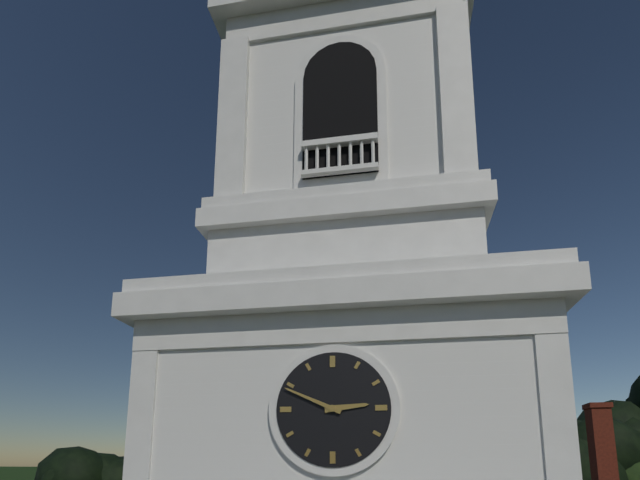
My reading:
h=2 m=49
